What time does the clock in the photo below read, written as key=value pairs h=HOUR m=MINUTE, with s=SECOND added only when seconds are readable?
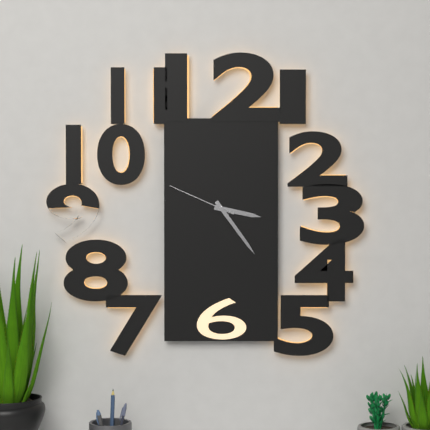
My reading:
h=3 m=24 s=49
